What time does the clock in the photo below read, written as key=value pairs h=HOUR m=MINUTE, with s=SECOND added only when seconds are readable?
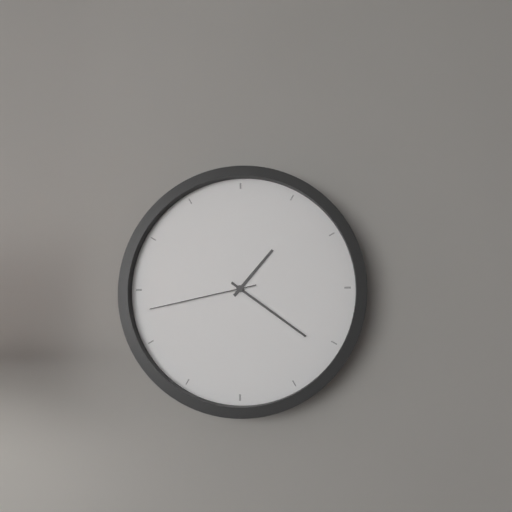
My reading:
h=1 m=21 s=43
